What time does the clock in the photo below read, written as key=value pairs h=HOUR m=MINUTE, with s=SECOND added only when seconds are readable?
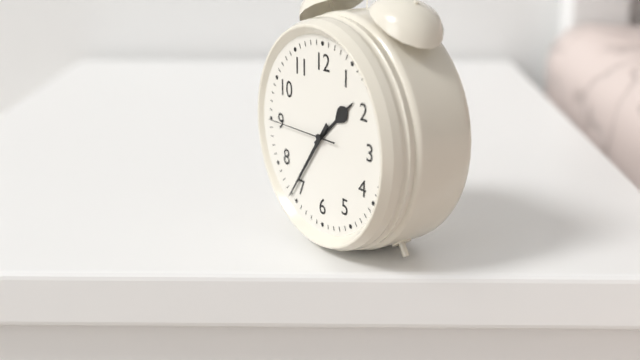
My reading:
h=1 m=36 s=45
